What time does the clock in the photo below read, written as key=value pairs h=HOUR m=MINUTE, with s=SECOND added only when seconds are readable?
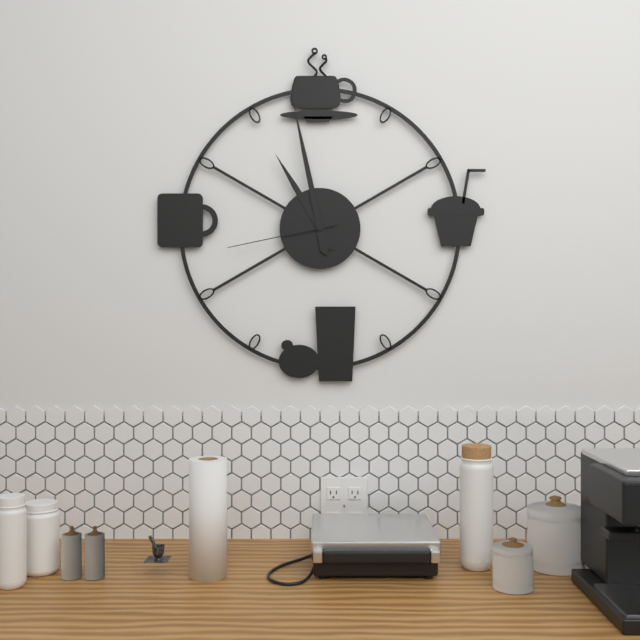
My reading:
h=10 m=58 s=43
